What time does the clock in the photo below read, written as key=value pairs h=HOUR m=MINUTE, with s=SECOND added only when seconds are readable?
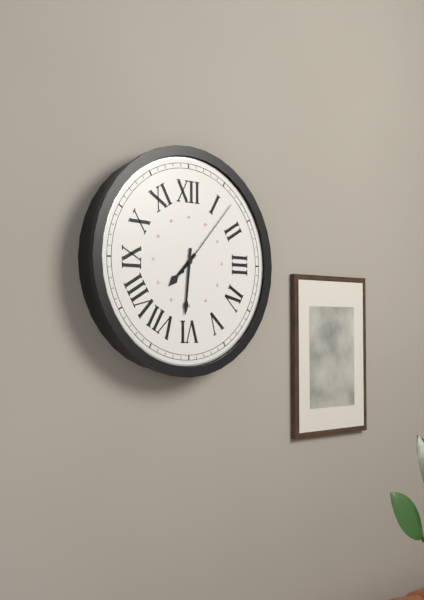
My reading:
h=7 m=31 s=7
